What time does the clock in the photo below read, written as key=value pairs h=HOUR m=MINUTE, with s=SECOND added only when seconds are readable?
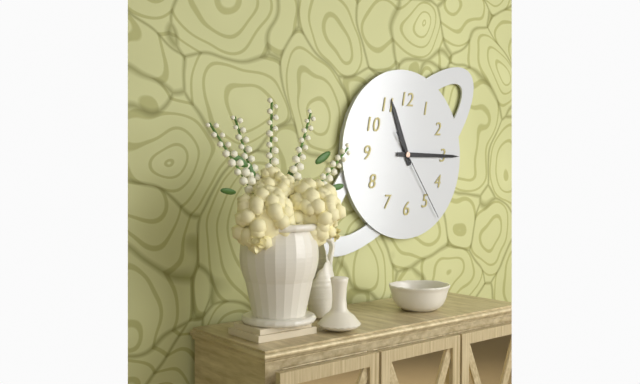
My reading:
h=11 m=15 s=24
